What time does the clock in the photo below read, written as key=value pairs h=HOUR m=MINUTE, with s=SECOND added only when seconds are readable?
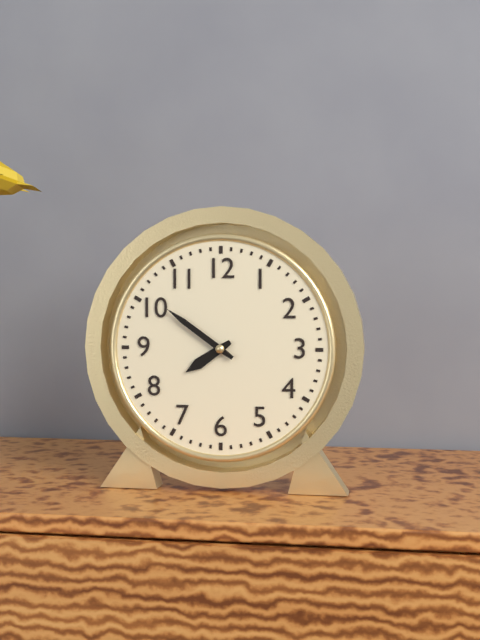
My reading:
h=7 m=51
